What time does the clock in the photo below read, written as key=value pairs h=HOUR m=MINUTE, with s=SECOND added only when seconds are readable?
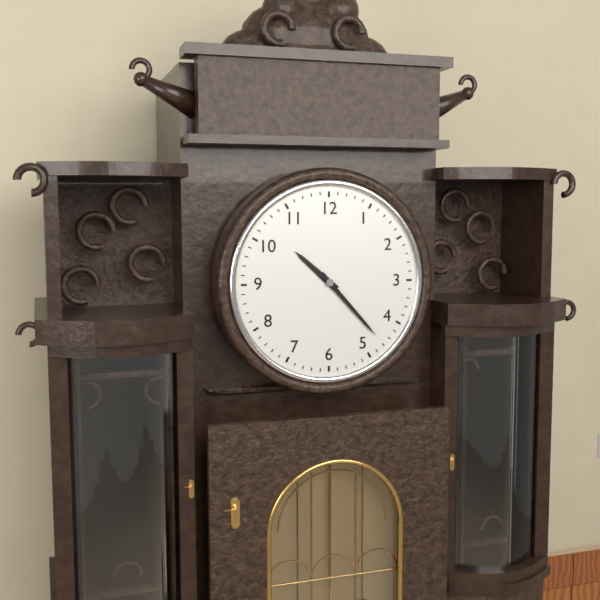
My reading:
h=10 m=23
